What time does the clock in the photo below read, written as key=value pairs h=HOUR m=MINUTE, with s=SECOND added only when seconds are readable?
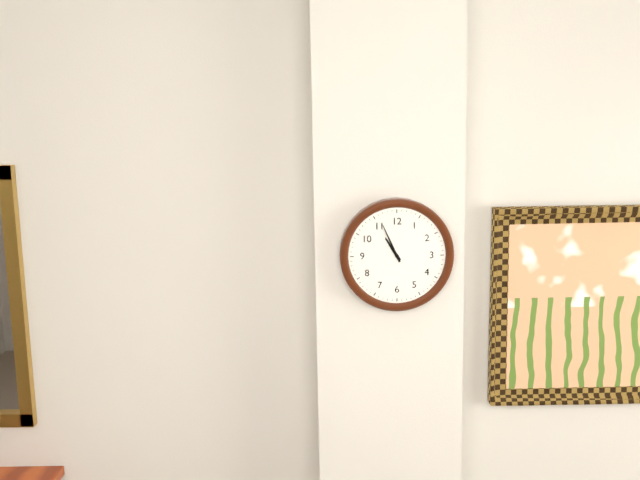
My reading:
h=10 m=56
